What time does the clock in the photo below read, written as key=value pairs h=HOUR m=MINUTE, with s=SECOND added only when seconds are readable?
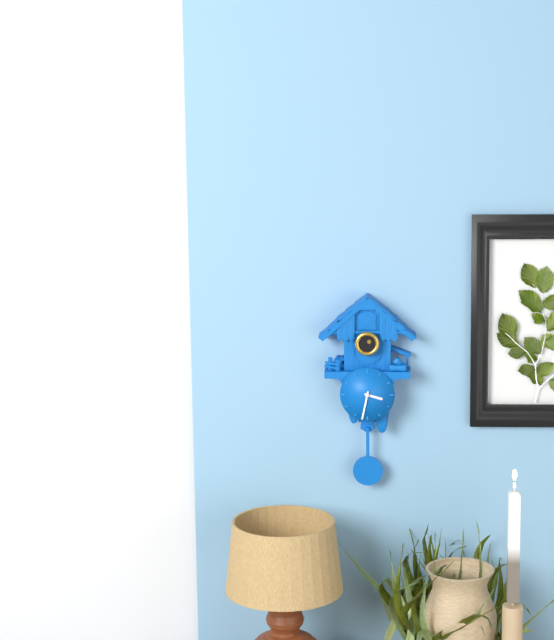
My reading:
h=3 m=32
